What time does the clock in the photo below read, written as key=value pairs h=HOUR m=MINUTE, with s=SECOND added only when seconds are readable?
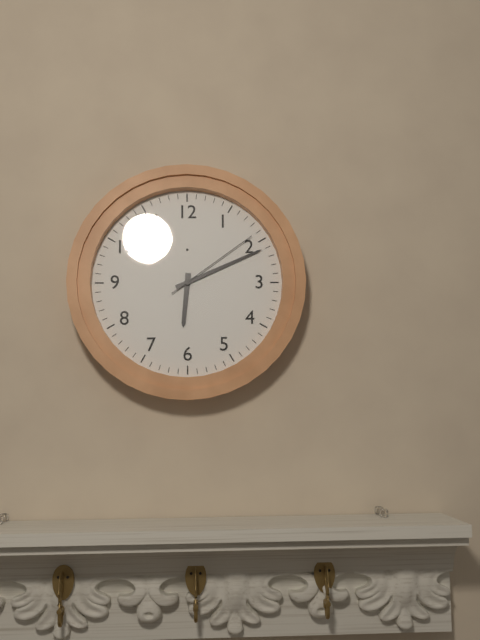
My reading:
h=6 m=11 s=9
